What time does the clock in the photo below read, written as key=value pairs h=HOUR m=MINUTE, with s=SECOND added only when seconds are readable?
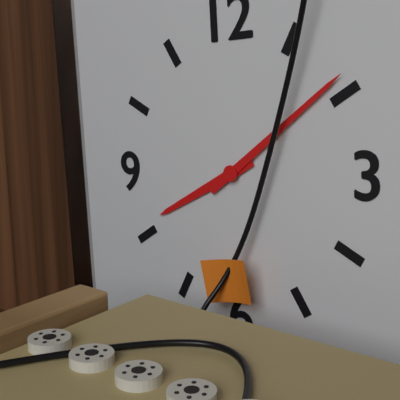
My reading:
h=8 m=9
